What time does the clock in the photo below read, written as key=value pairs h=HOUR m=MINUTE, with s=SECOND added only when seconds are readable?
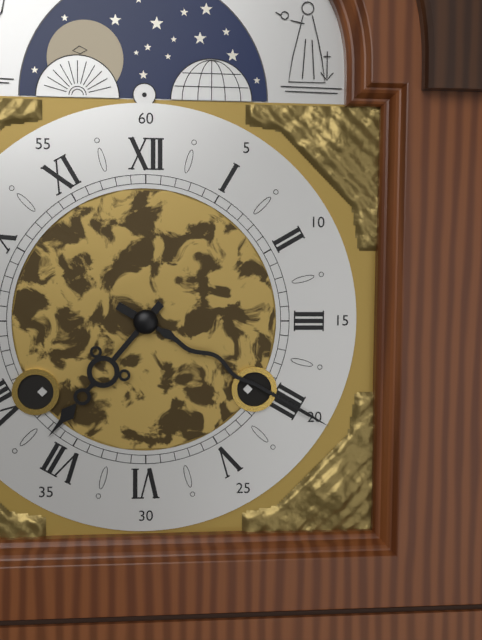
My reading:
h=7 m=20
